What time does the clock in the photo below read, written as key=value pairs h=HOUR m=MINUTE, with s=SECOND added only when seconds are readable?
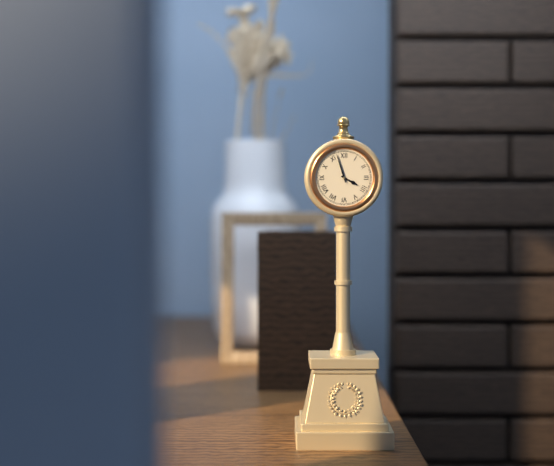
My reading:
h=3 m=57
